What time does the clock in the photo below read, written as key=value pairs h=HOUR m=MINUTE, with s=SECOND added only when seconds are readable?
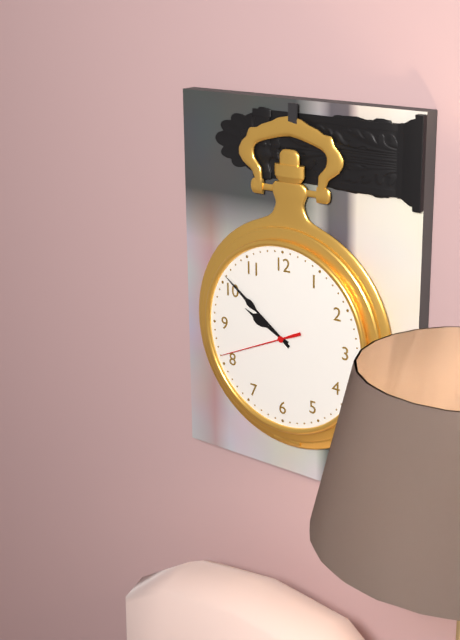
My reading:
h=9 m=51 s=41
